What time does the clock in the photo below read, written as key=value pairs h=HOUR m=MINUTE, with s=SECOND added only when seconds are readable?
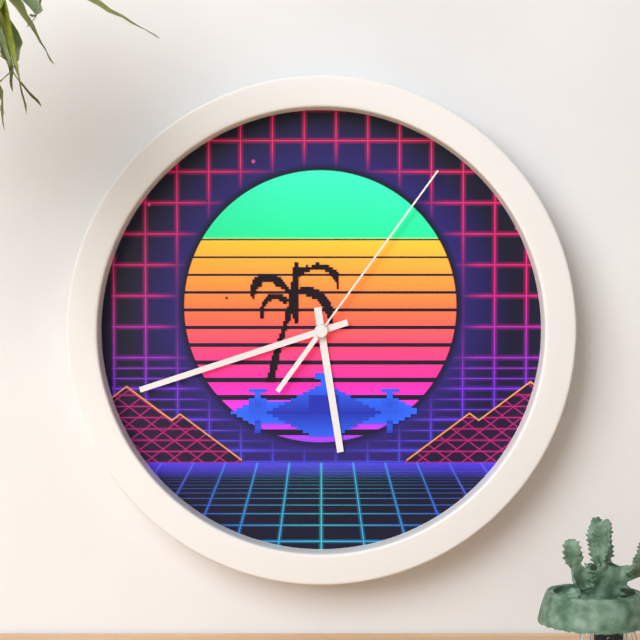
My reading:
h=5 m=42 s=6
